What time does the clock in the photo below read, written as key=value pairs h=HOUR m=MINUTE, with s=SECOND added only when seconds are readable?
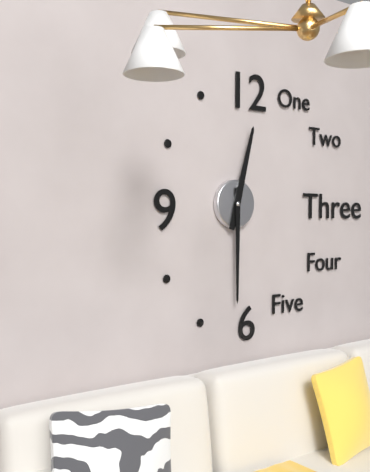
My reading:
h=12 m=30
